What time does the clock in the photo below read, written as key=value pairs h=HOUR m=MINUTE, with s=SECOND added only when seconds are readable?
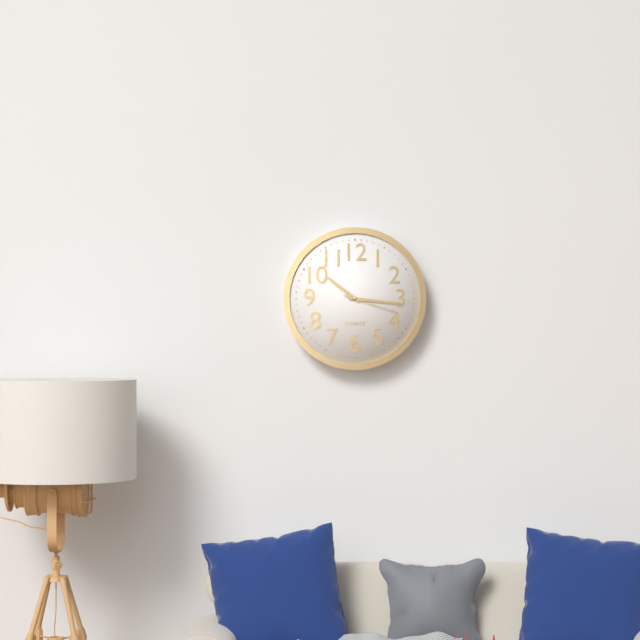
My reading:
h=10 m=16 s=18
